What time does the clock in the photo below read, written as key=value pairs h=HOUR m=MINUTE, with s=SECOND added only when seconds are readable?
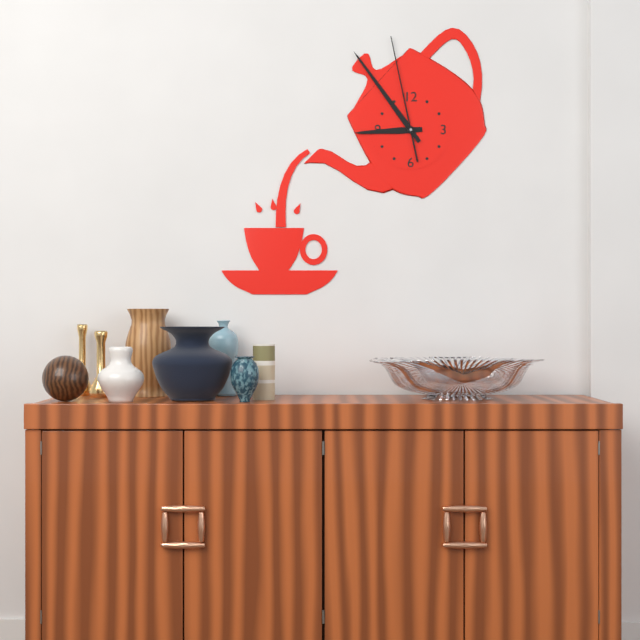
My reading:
h=8 m=54 s=58
